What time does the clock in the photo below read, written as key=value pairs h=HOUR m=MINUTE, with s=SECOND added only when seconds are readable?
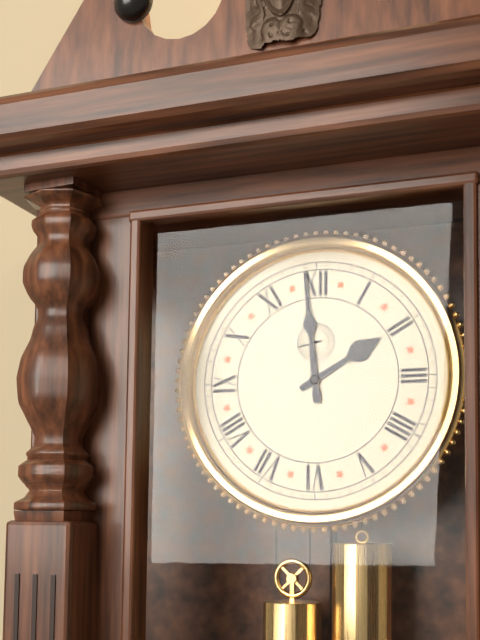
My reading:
h=1 m=59
